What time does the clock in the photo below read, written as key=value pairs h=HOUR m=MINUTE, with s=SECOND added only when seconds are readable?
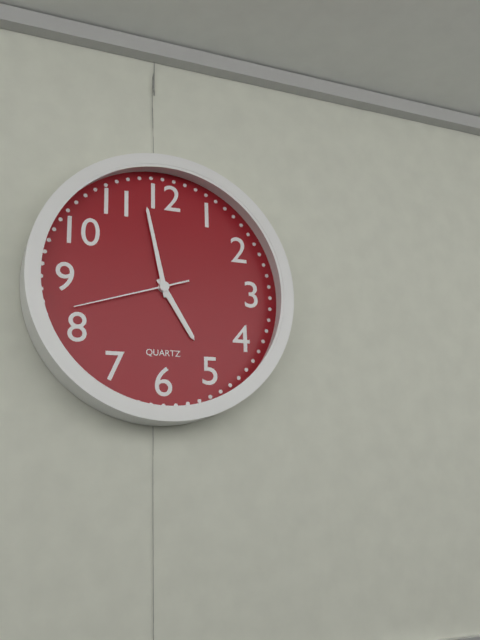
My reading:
h=4 m=58 s=42
